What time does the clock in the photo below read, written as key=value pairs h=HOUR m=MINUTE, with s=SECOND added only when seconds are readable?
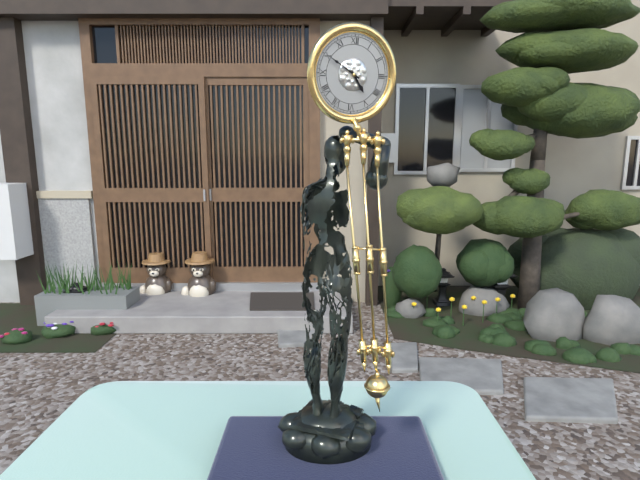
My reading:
h=4 m=50
